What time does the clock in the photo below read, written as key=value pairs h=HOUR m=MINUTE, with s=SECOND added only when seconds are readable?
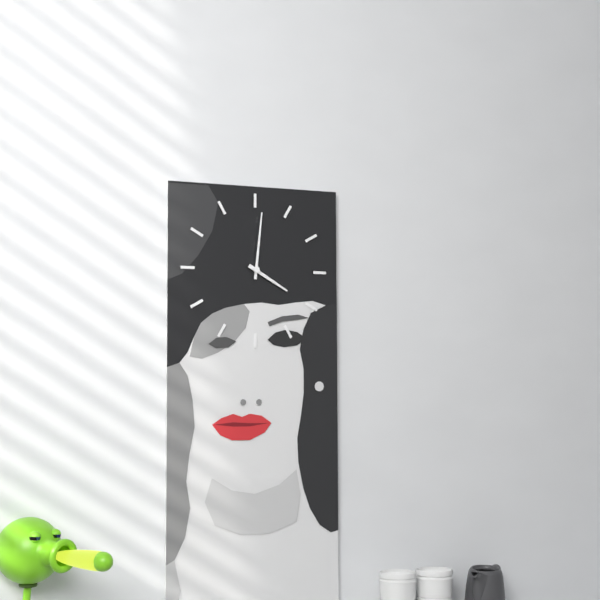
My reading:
h=4 m=1
